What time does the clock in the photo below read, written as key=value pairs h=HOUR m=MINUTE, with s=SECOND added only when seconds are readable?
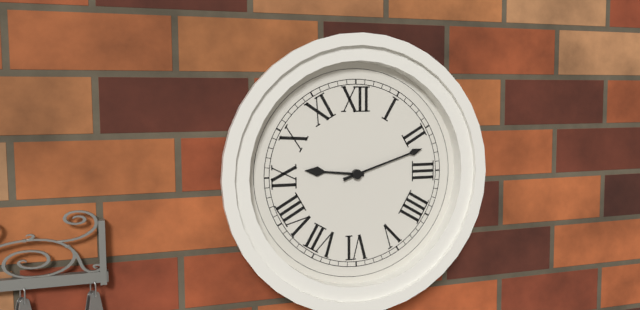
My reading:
h=9 m=12
